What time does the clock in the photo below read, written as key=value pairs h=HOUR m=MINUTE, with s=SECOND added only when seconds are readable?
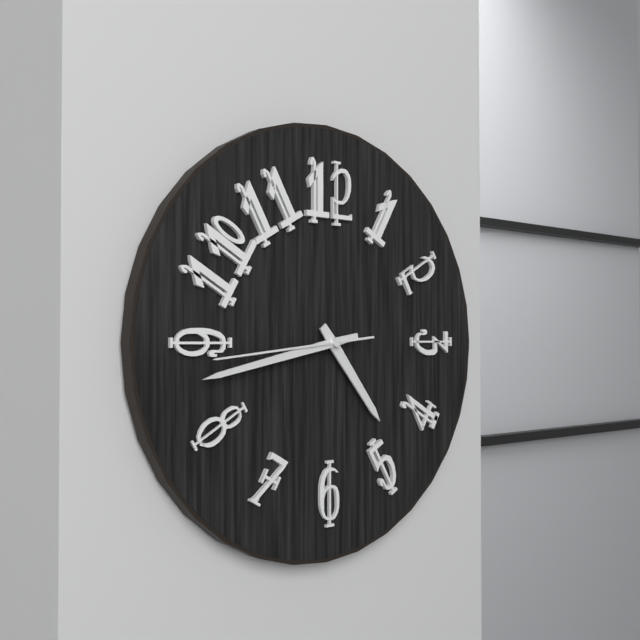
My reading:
h=4 m=43 s=44
